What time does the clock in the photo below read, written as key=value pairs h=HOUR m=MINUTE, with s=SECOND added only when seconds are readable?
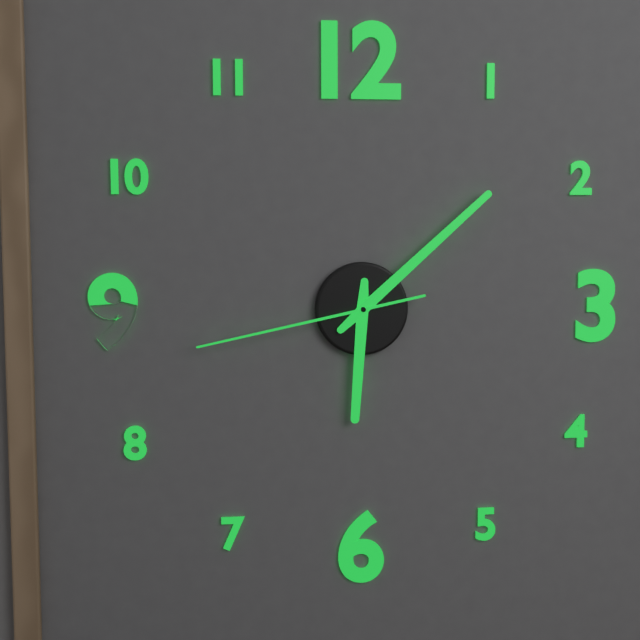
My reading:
h=6 m=8 s=43
